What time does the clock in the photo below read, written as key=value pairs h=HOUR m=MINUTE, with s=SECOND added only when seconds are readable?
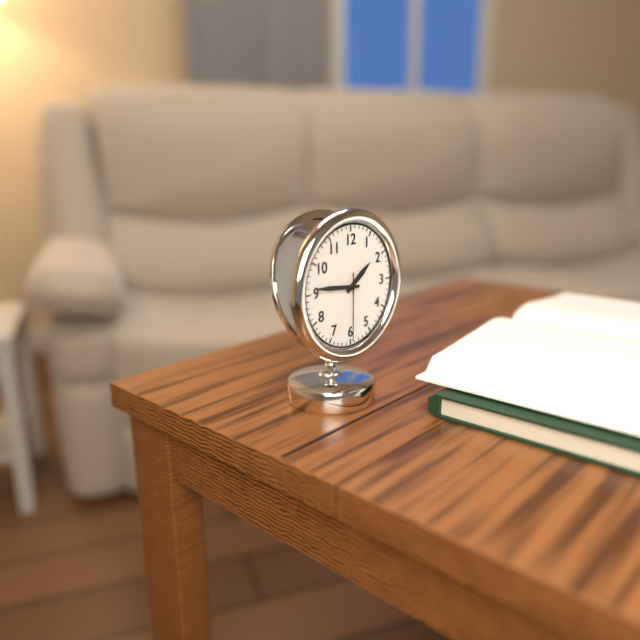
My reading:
h=1 m=46 s=30
